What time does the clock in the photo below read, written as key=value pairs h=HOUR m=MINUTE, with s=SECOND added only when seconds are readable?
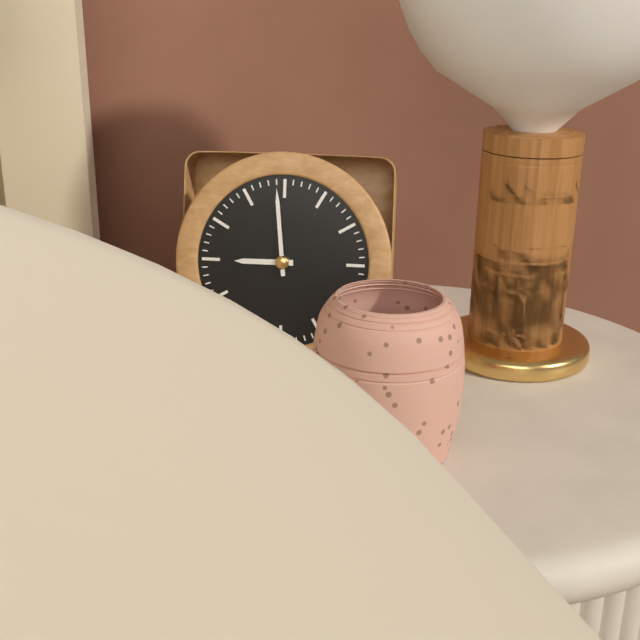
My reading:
h=8 m=59
